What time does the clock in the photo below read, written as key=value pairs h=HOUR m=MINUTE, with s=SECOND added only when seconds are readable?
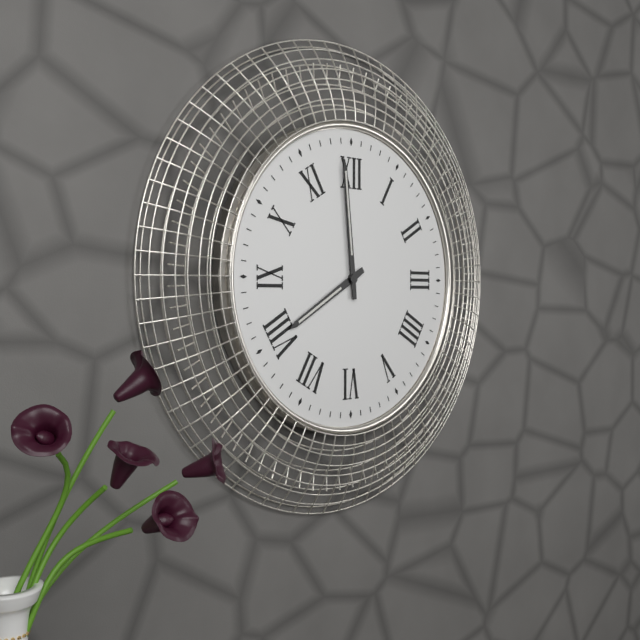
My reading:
h=7 m=59
